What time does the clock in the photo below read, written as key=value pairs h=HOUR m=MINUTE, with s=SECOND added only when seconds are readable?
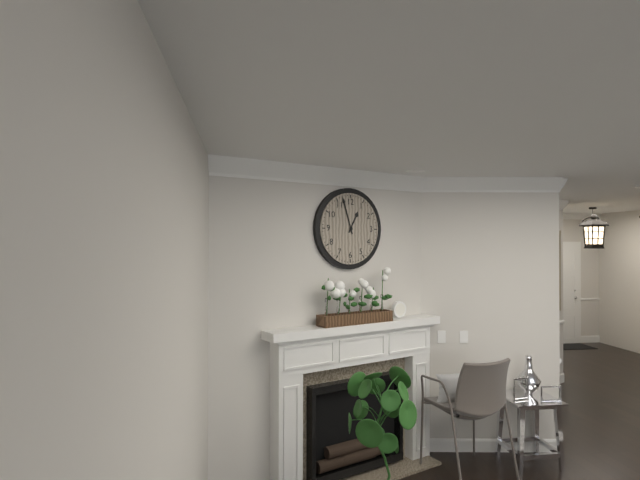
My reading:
h=12 m=57
